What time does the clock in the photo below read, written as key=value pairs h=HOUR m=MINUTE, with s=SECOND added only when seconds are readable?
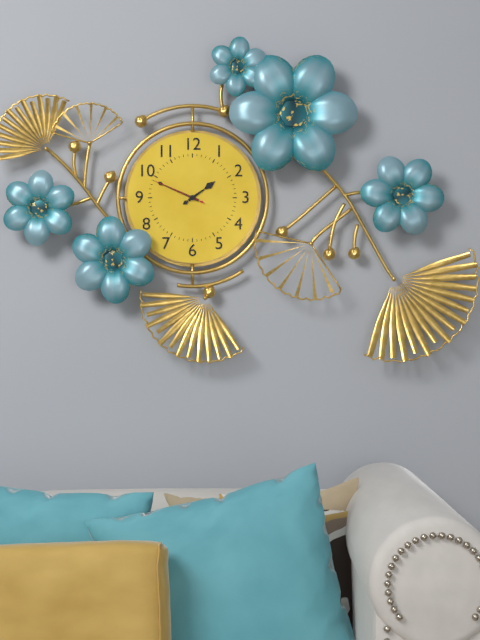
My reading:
h=1 m=49 s=49
